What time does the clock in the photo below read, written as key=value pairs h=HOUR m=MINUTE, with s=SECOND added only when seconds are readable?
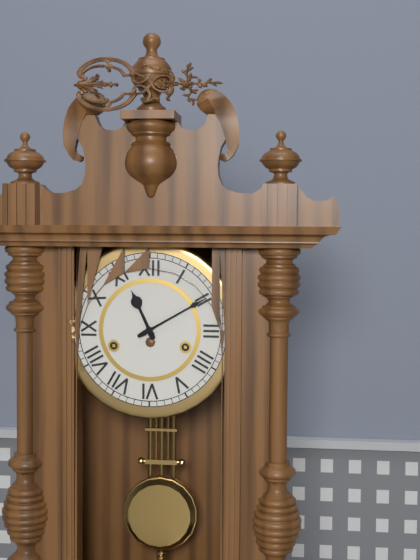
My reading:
h=11 m=10
